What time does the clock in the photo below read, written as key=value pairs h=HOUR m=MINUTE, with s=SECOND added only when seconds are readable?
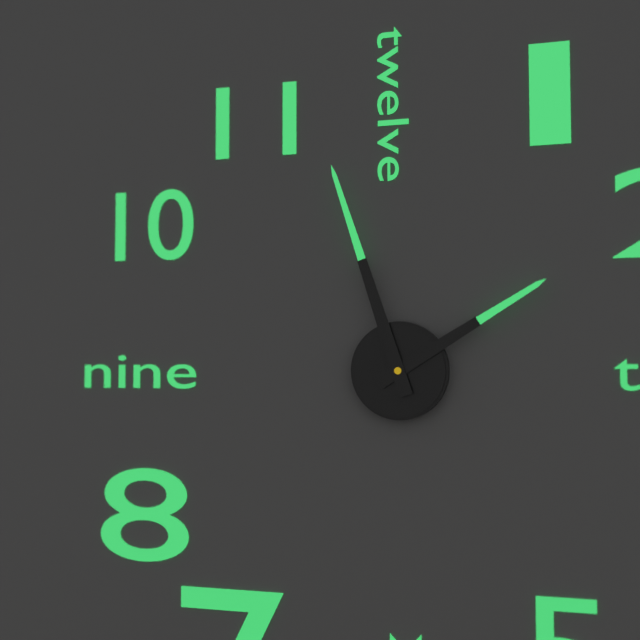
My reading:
h=1 m=57
